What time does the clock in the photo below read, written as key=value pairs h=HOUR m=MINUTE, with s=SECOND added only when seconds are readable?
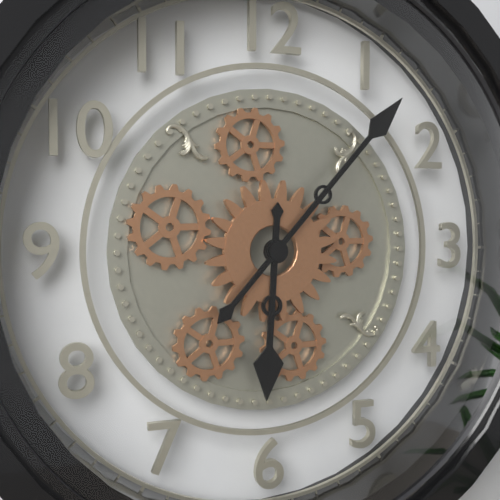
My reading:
h=6 m=7
